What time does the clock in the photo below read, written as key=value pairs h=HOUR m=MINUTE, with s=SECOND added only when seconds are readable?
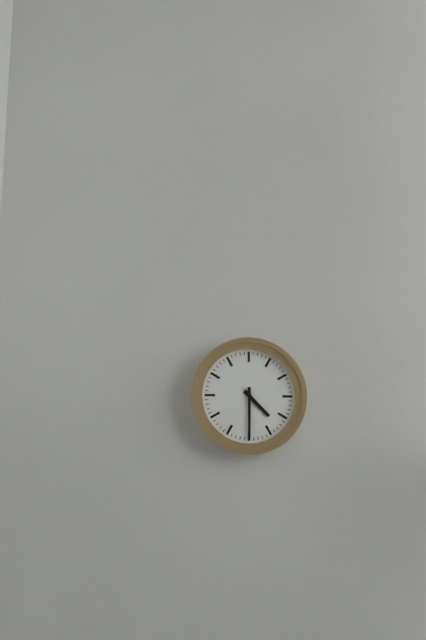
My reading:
h=4 m=30
